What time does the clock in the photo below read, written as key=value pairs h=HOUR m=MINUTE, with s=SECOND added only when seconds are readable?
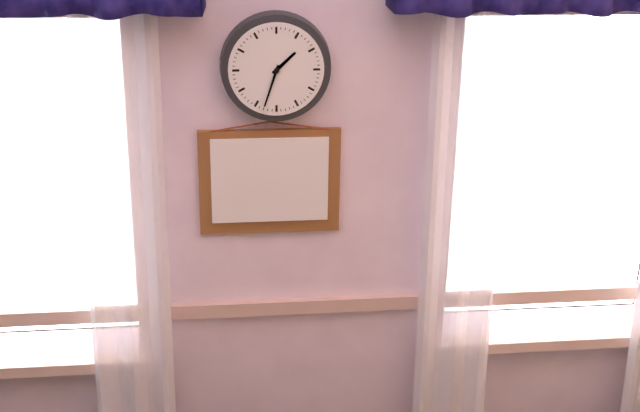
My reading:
h=1 m=33
